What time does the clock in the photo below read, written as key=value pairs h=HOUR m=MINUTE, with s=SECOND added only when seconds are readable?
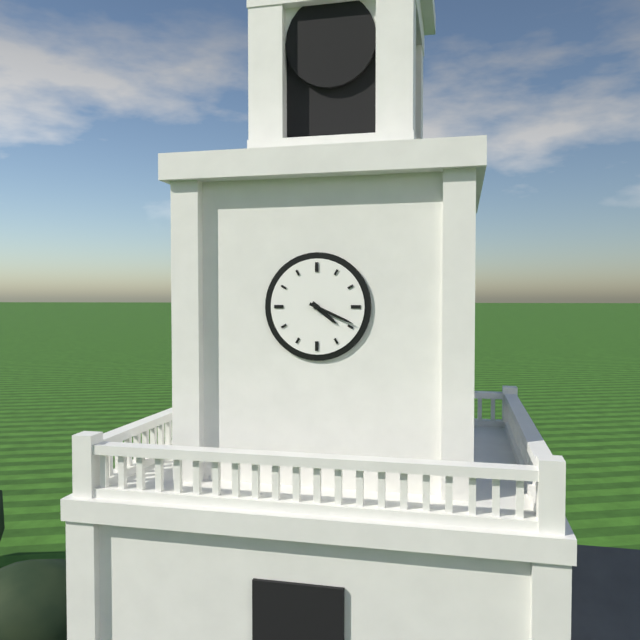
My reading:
h=4 m=19
